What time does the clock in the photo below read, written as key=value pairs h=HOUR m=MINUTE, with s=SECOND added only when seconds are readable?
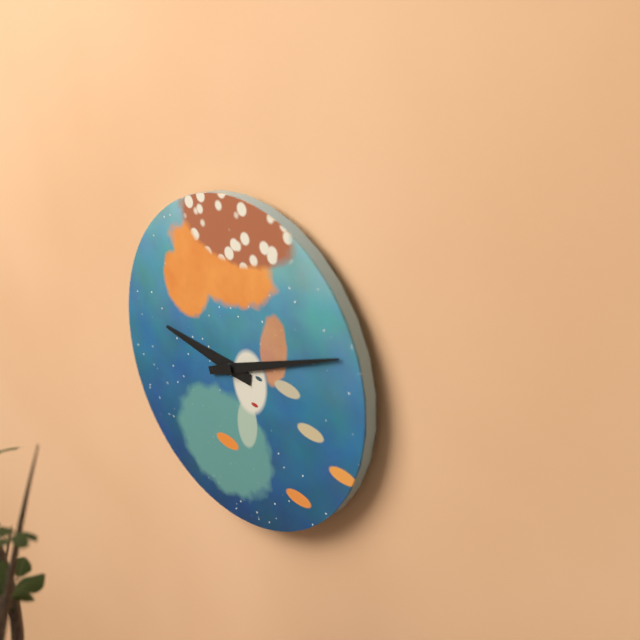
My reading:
h=9 m=11
